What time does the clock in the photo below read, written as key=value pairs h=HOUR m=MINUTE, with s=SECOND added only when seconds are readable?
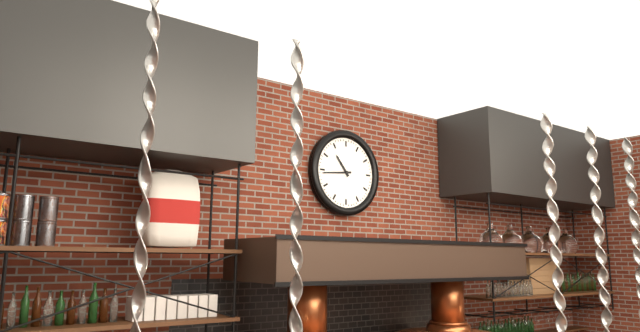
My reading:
h=10 m=44
